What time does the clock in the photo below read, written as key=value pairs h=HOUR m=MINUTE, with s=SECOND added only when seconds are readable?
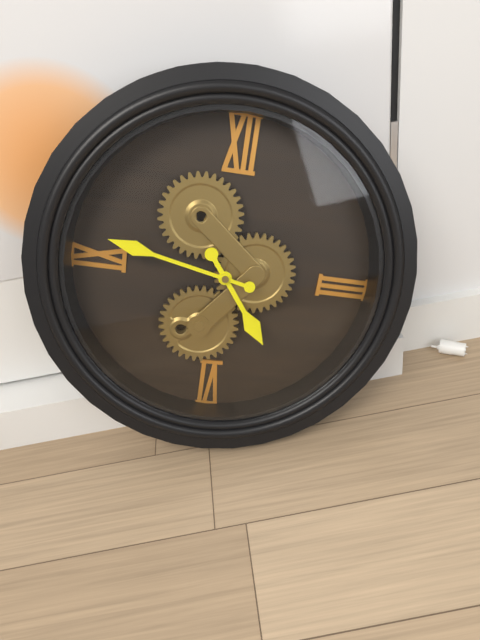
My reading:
h=4 m=47
